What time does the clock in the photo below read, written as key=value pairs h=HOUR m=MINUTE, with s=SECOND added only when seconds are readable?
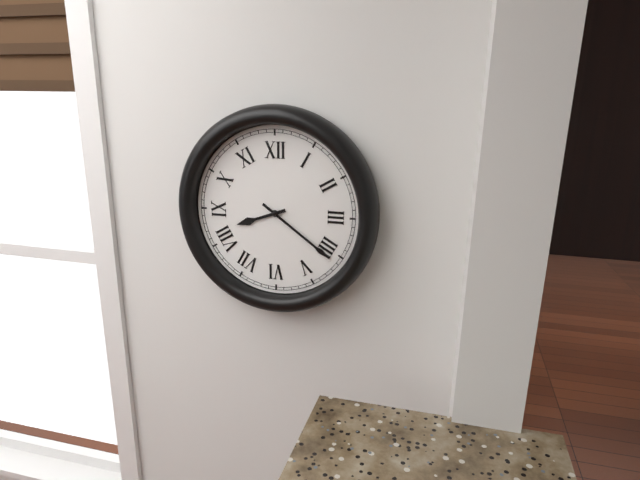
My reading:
h=8 m=21
